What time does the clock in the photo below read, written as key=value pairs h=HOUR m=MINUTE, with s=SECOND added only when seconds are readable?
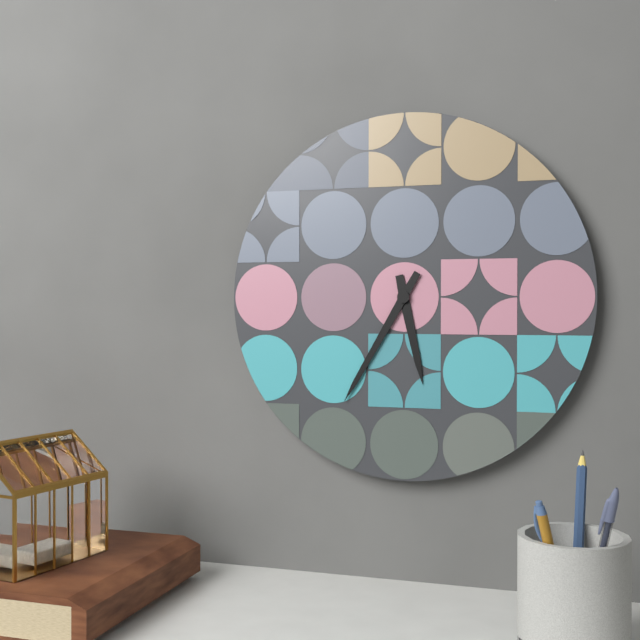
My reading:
h=5 m=35
